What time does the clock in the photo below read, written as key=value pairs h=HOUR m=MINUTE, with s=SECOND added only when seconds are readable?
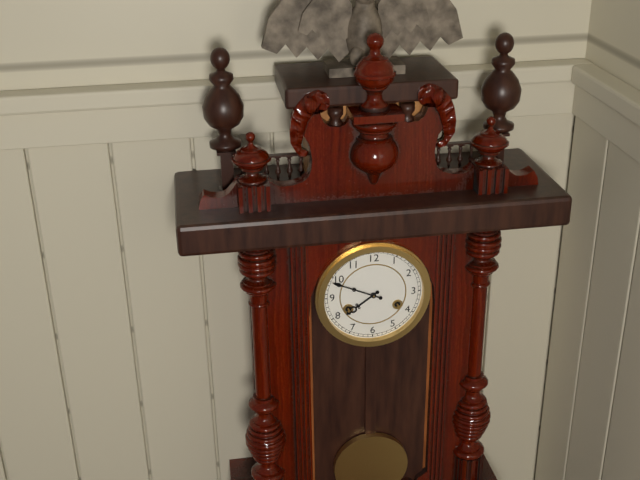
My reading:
h=7 m=49
